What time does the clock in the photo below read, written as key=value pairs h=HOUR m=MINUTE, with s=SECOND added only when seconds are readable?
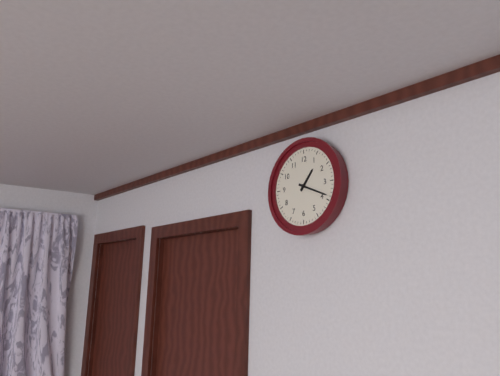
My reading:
h=1 m=19
